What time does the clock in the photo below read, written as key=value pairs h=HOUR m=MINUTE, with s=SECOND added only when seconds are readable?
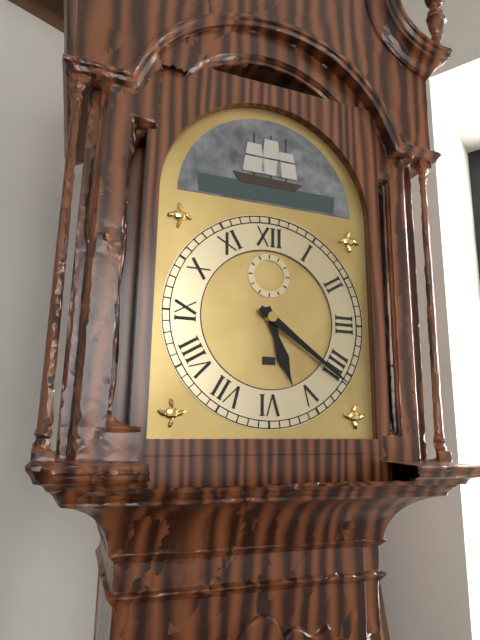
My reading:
h=5 m=21
